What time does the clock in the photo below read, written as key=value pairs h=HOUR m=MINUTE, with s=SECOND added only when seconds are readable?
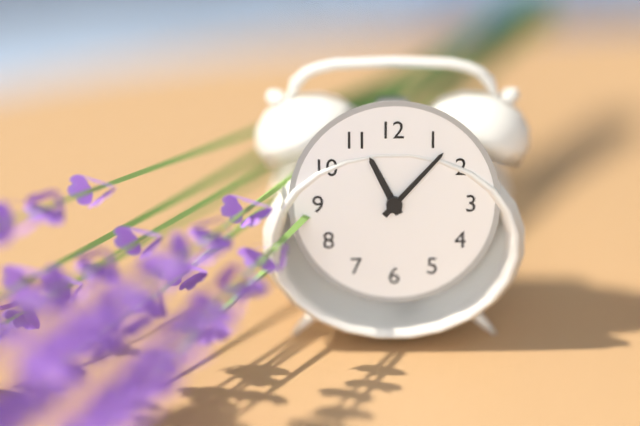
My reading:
h=11 m=7
